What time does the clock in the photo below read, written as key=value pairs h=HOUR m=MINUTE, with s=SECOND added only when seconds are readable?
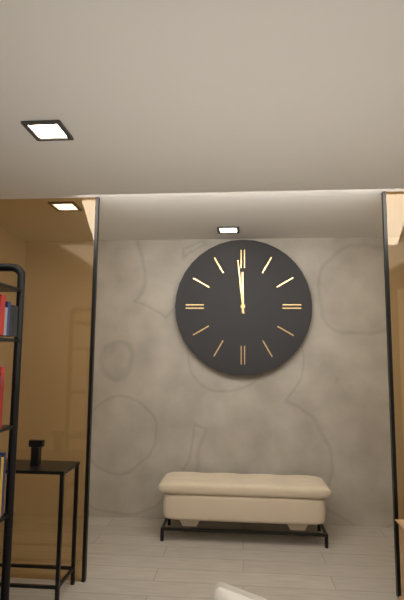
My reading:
h=11 m=59
